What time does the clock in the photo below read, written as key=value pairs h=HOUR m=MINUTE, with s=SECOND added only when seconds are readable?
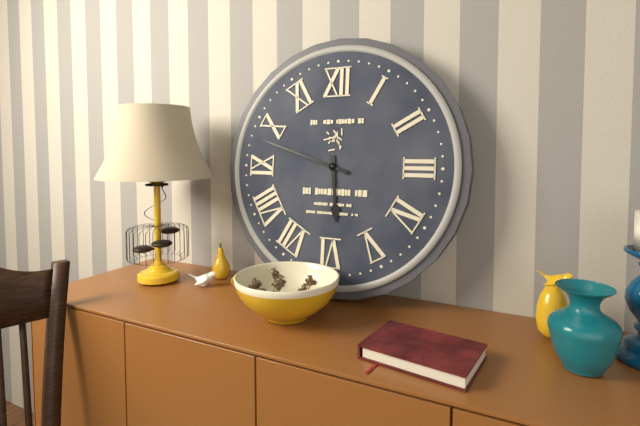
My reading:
h=5 m=48
